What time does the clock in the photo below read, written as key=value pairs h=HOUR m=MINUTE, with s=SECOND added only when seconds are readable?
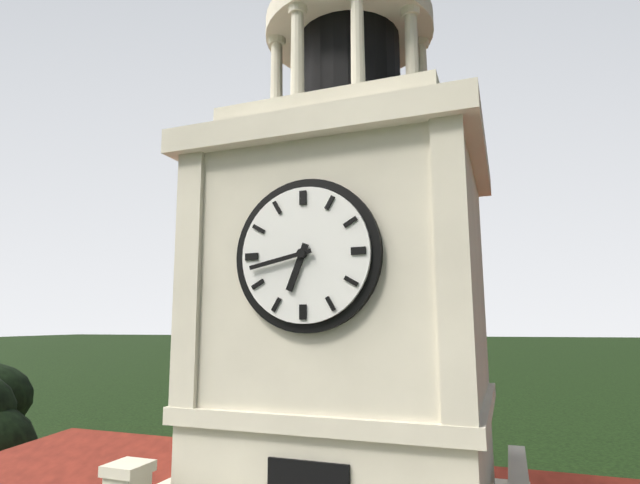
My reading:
h=6 m=43
